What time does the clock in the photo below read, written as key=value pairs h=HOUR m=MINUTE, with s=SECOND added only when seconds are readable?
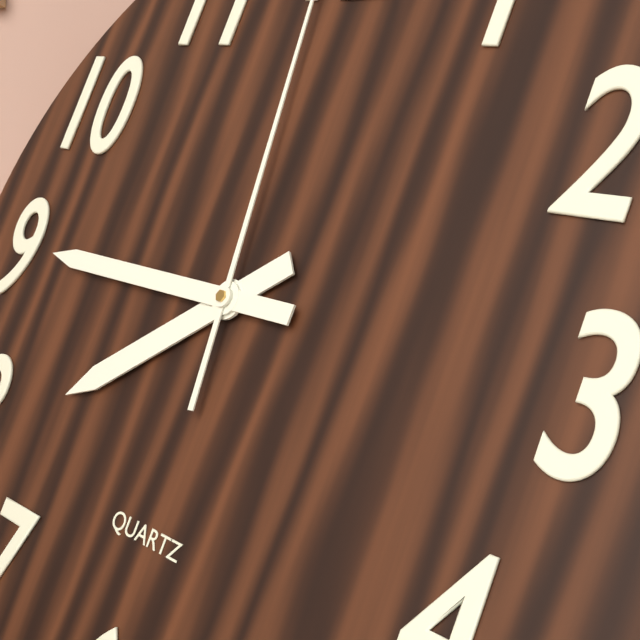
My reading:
h=7 m=45
